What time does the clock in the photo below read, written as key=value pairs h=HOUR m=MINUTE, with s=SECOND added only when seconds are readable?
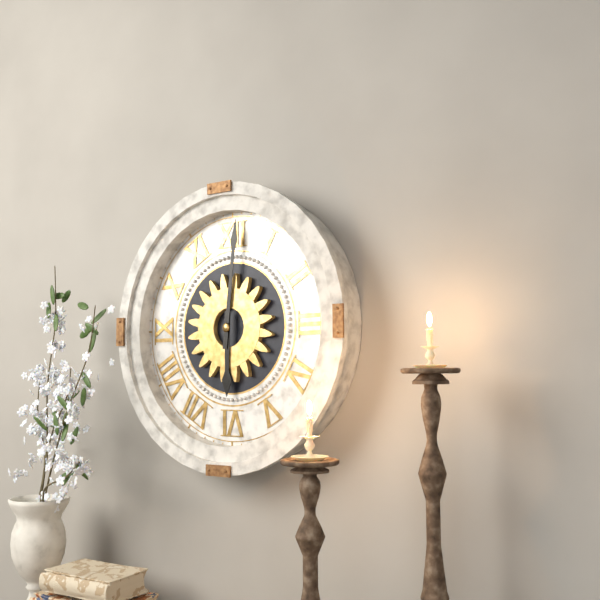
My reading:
h=6 m=1
